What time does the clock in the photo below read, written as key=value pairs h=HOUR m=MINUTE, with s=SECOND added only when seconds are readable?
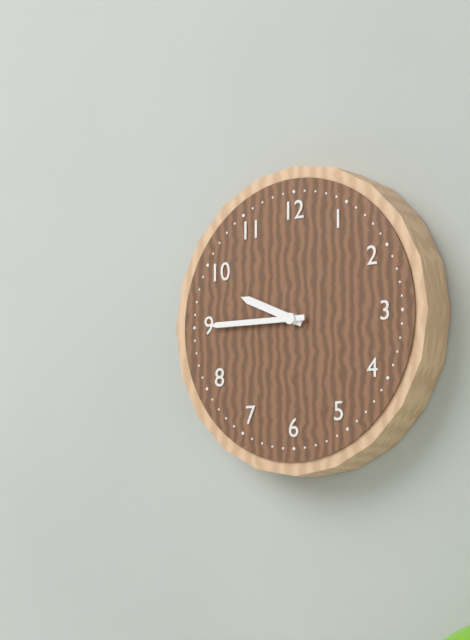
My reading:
h=9 m=45
